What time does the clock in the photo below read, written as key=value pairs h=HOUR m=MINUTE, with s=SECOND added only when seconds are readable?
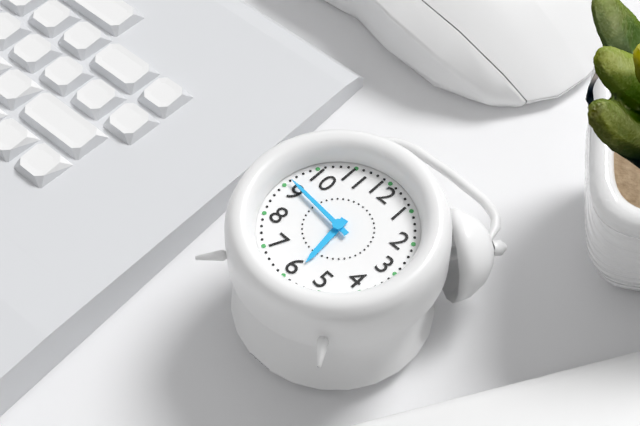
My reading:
h=5 m=46
